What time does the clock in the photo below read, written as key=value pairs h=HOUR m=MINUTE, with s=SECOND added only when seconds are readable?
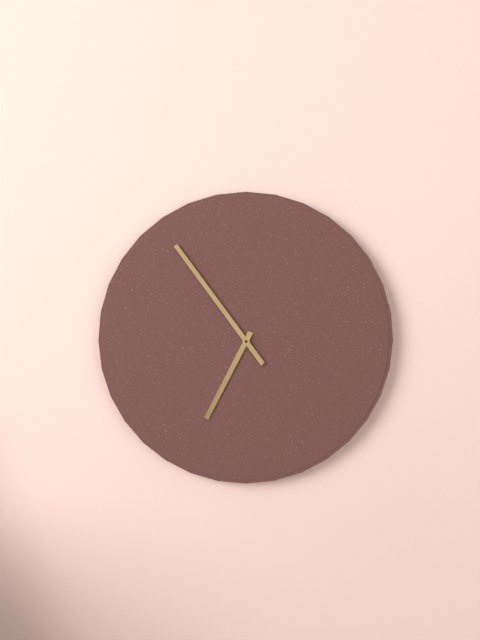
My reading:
h=6 m=54
